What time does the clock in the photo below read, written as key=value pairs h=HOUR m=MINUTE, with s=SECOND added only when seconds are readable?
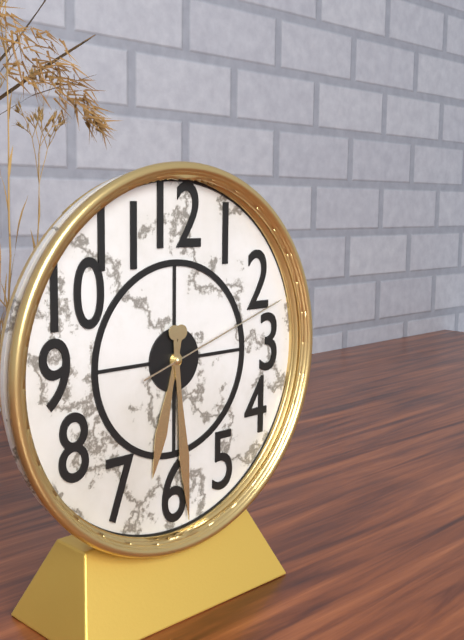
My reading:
h=6 m=29 s=12
